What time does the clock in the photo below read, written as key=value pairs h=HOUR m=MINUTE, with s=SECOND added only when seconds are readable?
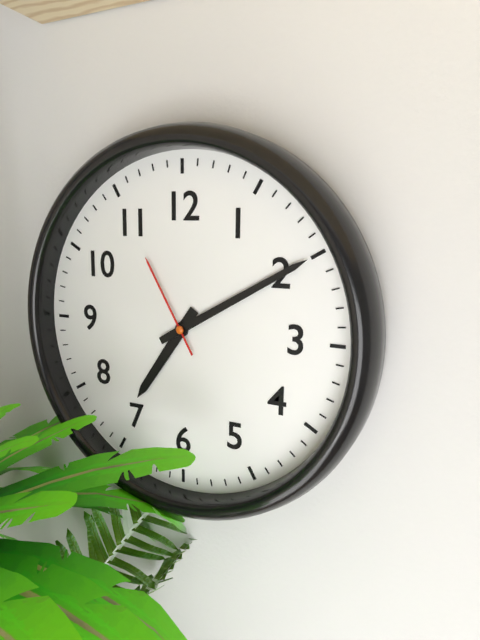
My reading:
h=7 m=10 s=55
